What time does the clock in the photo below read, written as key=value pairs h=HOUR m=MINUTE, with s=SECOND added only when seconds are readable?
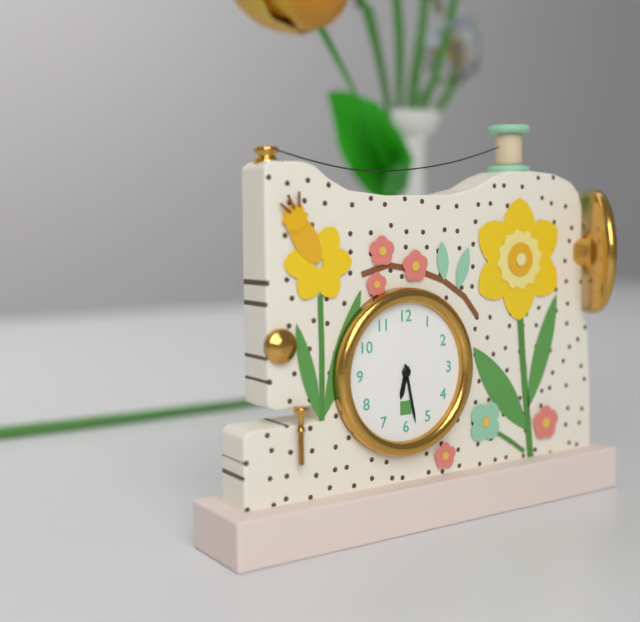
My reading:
h=6 m=28
